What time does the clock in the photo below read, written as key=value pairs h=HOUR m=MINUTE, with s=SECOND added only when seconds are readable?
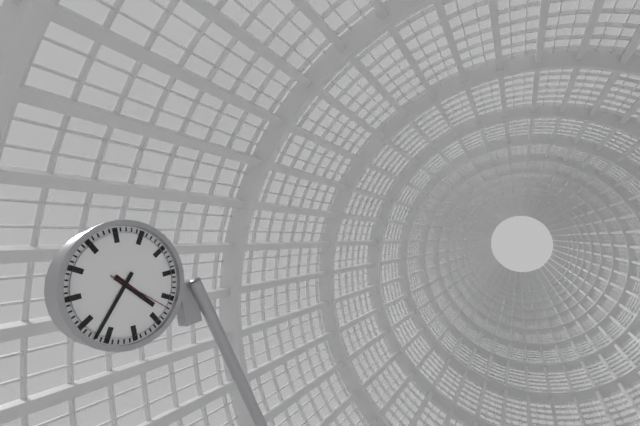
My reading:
h=4 m=37 s=22
